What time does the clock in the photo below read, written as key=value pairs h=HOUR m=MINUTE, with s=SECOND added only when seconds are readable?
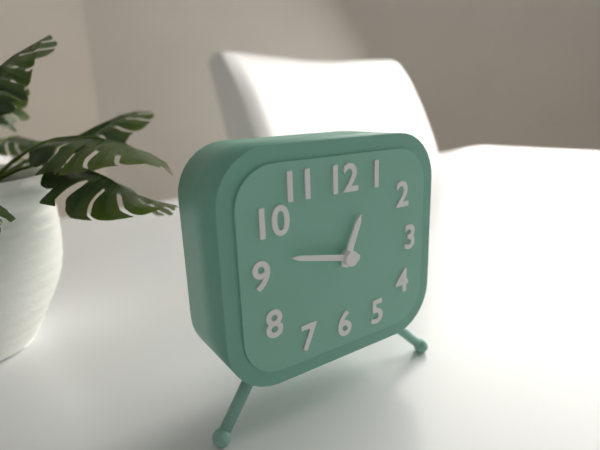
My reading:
h=12 m=47
